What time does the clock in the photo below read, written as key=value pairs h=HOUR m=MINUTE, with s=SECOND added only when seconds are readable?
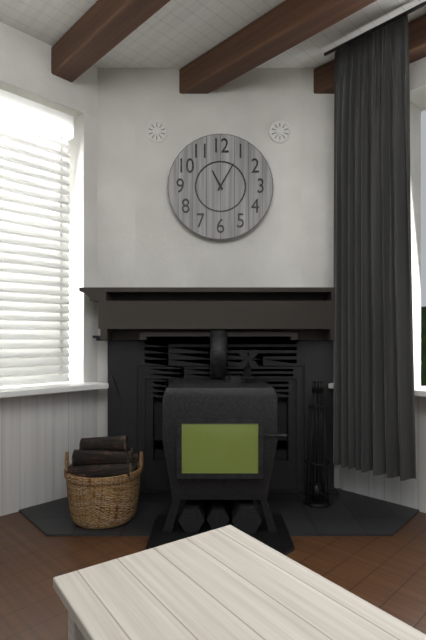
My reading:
h=11 m=5
